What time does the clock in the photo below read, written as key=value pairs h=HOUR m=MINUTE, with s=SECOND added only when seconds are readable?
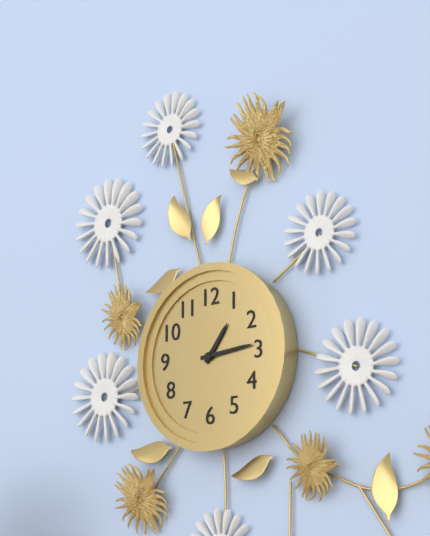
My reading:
h=1 m=14
